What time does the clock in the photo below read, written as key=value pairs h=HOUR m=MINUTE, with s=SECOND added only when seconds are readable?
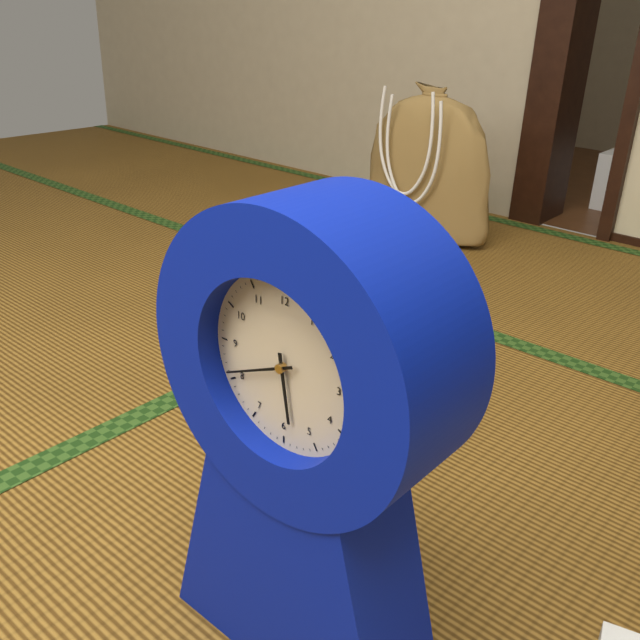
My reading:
h=5 m=41
